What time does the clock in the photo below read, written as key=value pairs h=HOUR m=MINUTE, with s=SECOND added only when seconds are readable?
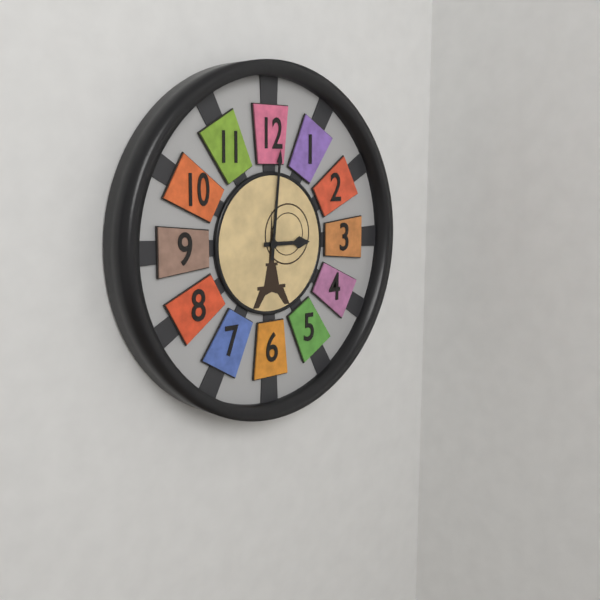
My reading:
h=3 m=1
